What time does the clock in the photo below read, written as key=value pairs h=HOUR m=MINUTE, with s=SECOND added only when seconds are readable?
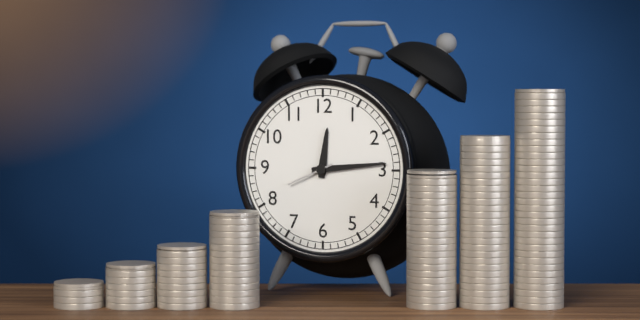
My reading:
h=12 m=14
